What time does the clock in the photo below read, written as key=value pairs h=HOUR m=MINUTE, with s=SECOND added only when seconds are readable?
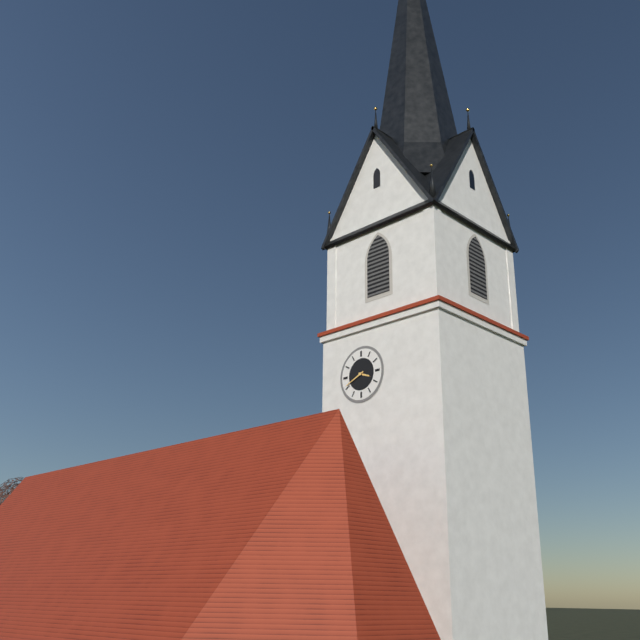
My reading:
h=3 m=41
